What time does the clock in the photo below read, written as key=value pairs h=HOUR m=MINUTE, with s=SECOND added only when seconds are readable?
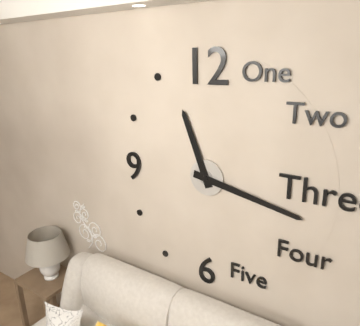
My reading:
h=11 m=17
